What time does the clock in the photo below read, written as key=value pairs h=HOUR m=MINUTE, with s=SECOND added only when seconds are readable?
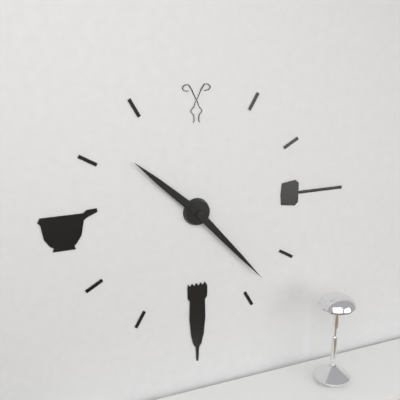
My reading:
h=10 m=23
